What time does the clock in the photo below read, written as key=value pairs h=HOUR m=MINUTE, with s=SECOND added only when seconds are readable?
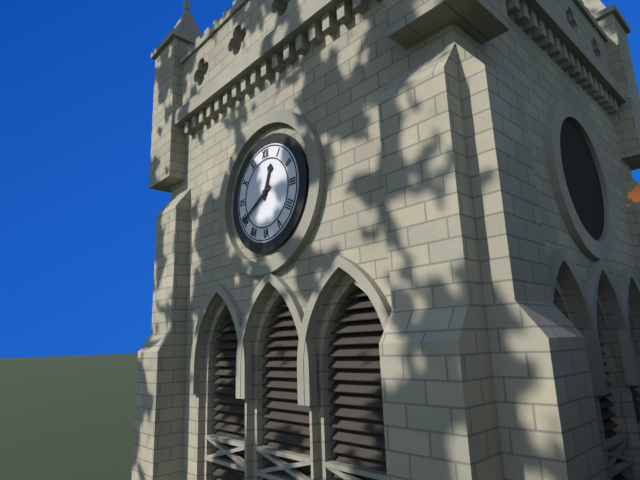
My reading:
h=12 m=40
